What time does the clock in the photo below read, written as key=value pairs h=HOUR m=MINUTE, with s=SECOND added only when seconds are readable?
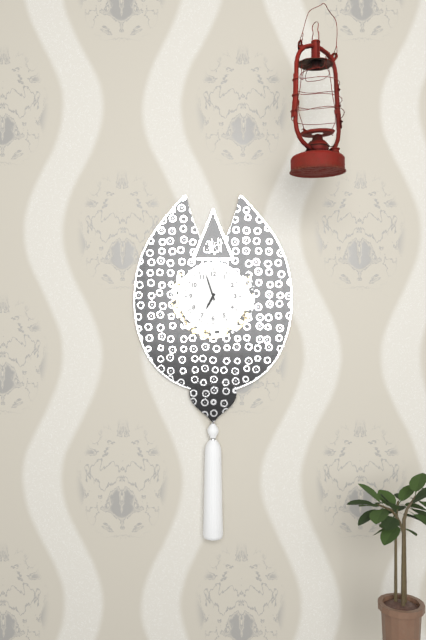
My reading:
h=6 m=57
